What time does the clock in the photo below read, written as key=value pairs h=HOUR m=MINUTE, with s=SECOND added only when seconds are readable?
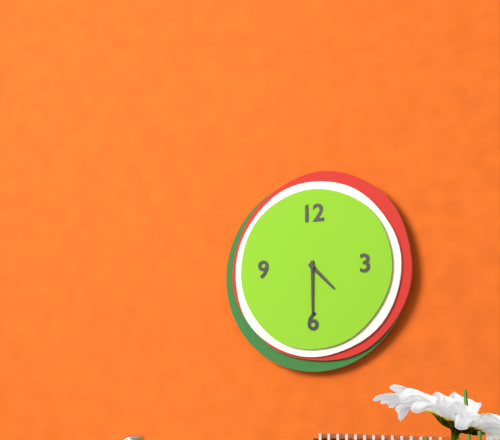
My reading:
h=4 m=30
